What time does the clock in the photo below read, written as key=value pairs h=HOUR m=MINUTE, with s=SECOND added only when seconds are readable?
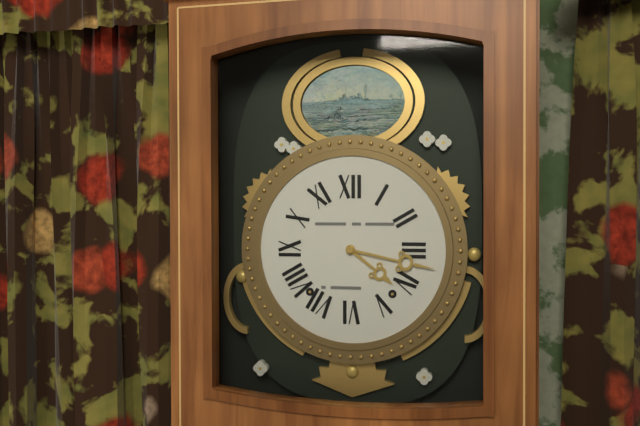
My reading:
h=4 m=17
